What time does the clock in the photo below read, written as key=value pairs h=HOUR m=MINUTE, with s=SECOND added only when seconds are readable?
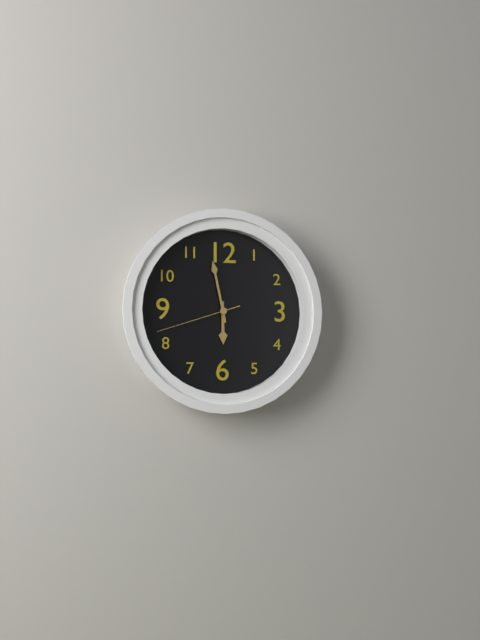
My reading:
h=5 m=58 s=42
